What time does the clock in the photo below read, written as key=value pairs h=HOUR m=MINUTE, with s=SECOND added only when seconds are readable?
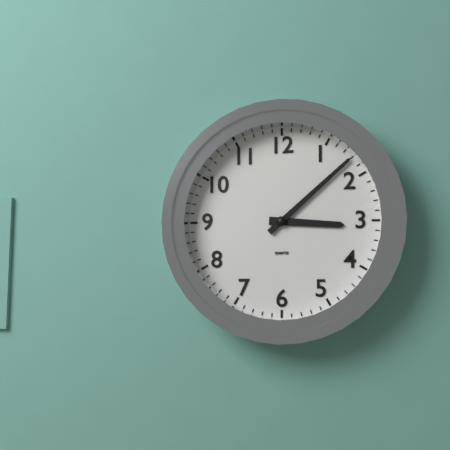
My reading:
h=3 m=8
